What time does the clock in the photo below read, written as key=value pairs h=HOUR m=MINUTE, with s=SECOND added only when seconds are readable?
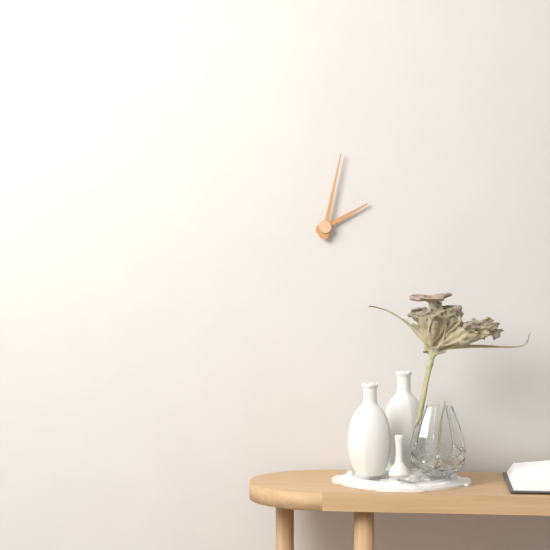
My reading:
h=2 m=2
